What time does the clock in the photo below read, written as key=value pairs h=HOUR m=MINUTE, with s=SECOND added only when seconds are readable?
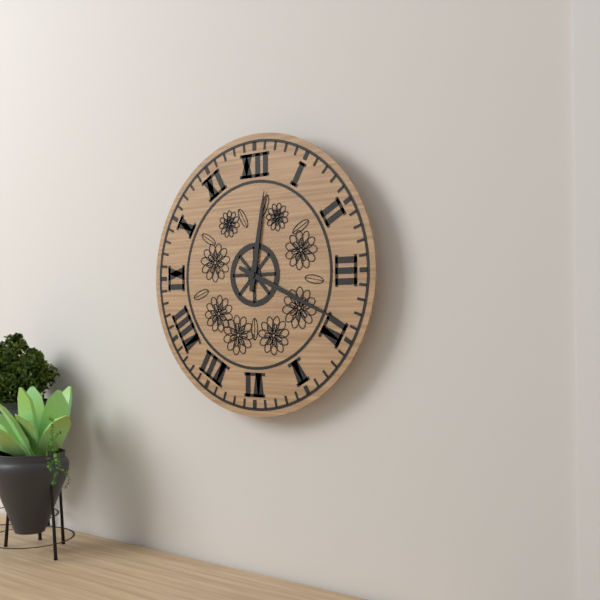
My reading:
h=12 m=19
